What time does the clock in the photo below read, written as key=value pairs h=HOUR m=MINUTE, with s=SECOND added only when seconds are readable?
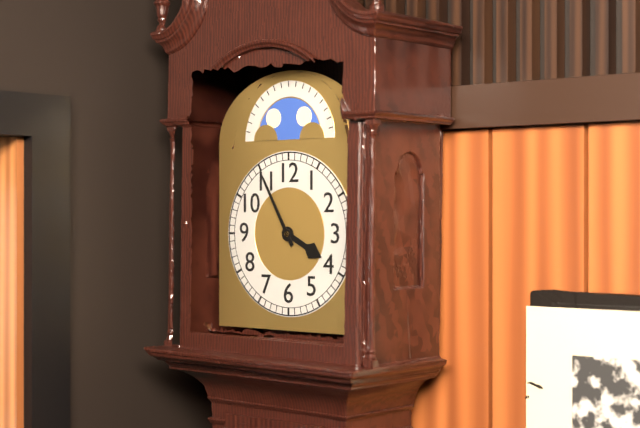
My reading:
h=3 m=55
